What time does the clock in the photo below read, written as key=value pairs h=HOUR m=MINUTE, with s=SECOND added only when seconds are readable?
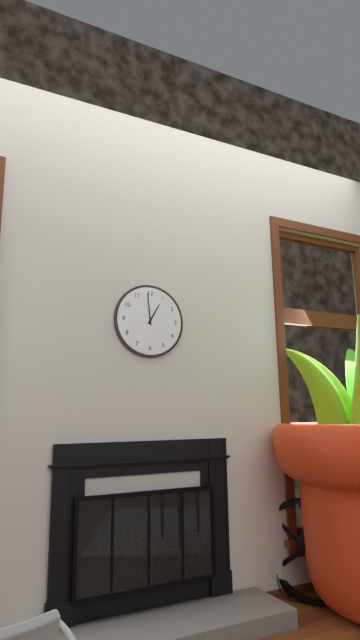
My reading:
h=12 m=59
